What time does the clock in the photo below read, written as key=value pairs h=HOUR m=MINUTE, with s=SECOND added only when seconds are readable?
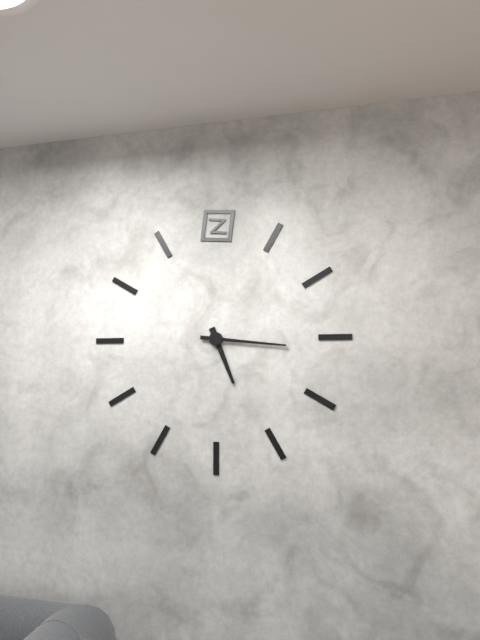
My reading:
h=5 m=16
